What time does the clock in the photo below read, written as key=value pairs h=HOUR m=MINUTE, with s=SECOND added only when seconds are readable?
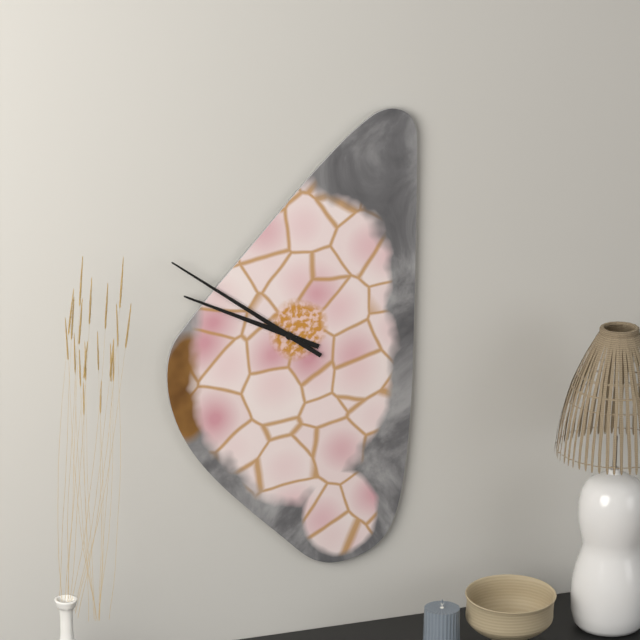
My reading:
h=9 m=51
